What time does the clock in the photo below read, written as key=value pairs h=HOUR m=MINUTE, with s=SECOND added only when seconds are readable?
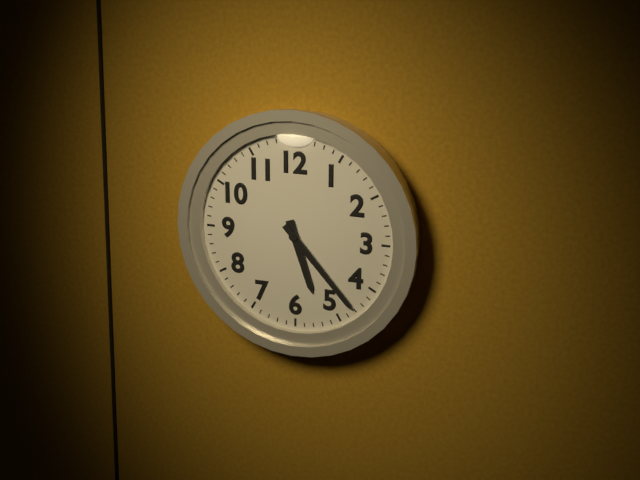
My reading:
h=5 m=23
